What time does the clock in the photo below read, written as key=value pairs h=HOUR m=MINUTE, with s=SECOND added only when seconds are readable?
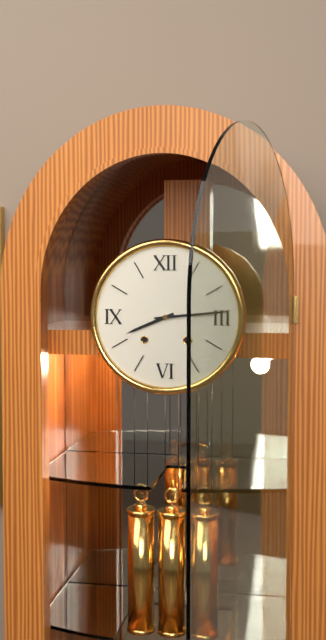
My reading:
h=8 m=14
